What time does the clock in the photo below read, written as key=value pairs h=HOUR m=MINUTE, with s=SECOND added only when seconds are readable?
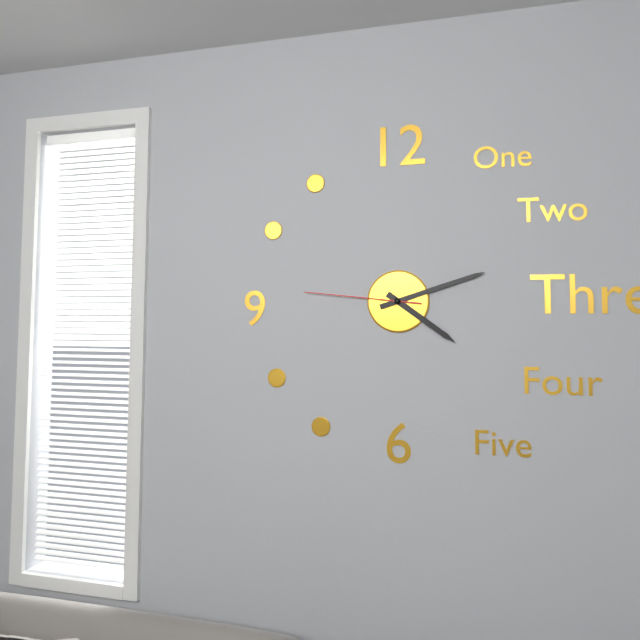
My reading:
h=4 m=12 s=46
